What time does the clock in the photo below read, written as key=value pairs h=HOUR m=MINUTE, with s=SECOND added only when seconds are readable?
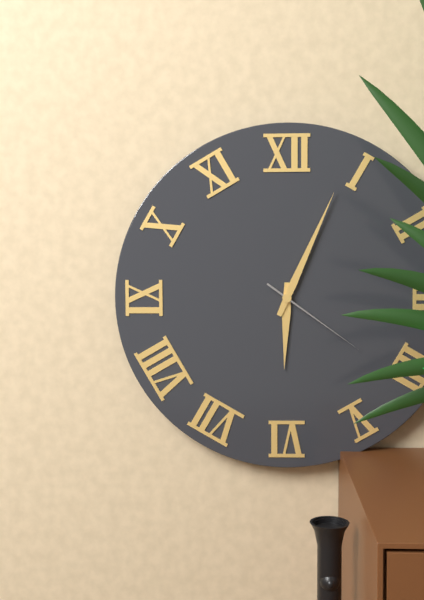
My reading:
h=6 m=4 s=21
